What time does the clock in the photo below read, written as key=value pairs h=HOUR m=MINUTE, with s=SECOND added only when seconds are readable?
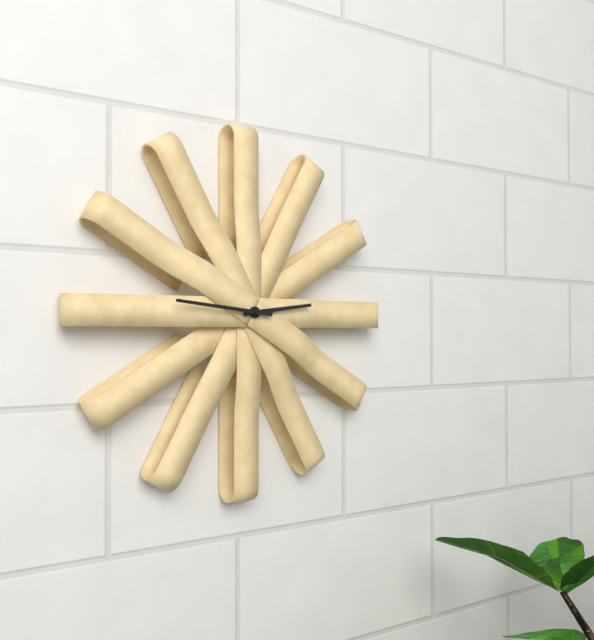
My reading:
h=2 m=46
